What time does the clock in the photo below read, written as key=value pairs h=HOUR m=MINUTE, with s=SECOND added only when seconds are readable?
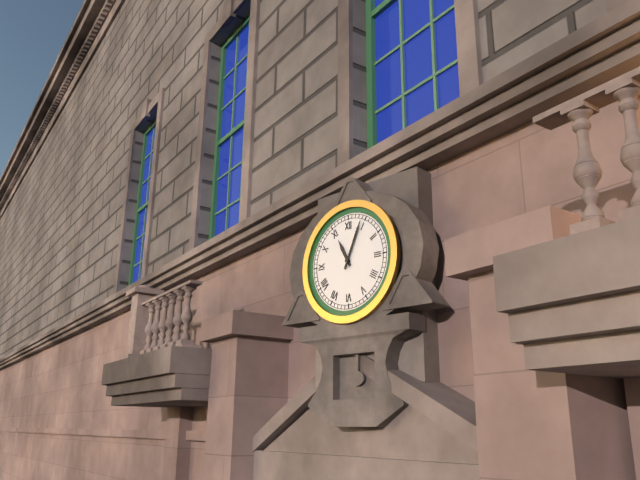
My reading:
h=11 m=4
